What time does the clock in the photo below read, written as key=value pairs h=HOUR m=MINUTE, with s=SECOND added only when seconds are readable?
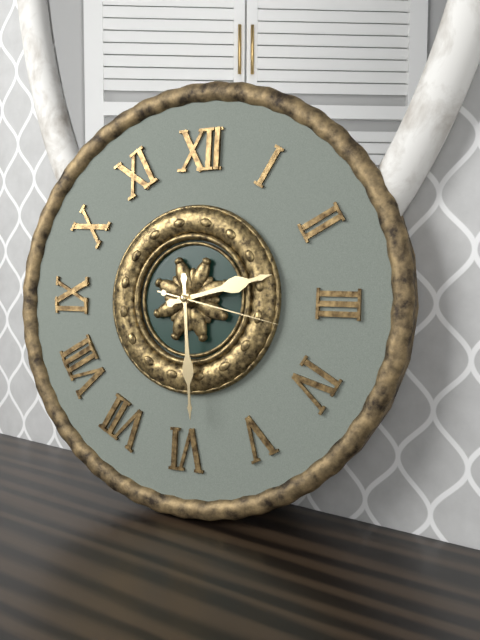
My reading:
h=2 m=29 s=17
